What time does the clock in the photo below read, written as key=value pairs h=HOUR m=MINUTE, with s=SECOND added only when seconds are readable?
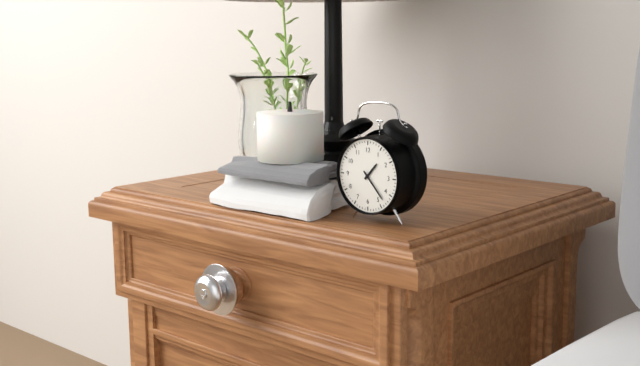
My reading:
h=1 m=23
